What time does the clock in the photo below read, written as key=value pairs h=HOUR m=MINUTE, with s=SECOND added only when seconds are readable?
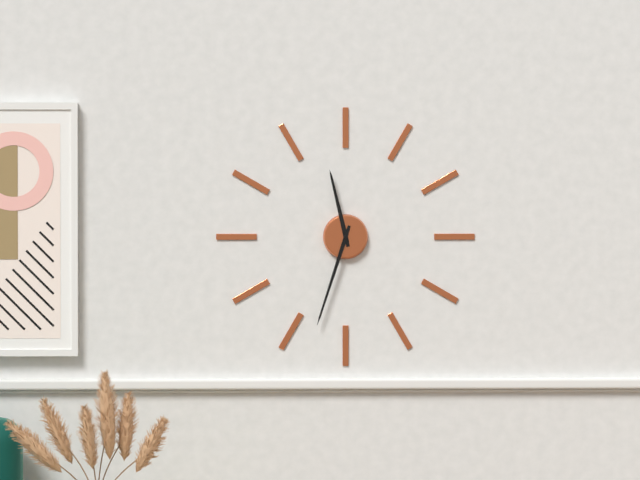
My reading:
h=11 m=33
